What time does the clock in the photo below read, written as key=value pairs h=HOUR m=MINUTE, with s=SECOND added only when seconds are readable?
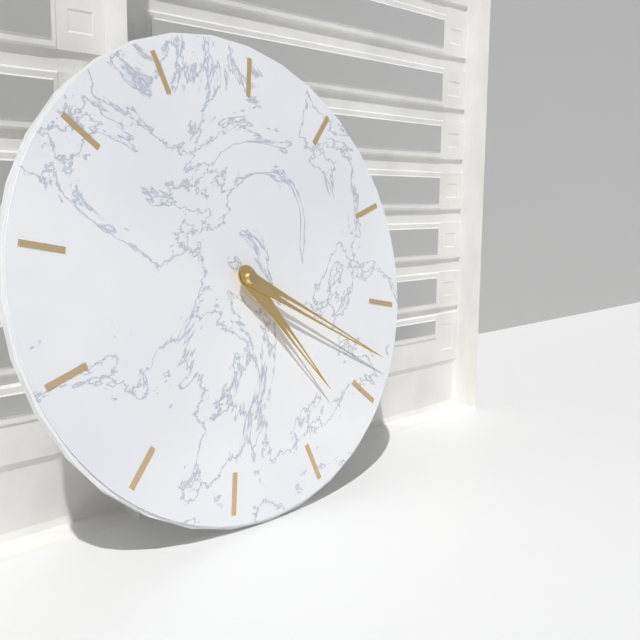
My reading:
h=5 m=23
